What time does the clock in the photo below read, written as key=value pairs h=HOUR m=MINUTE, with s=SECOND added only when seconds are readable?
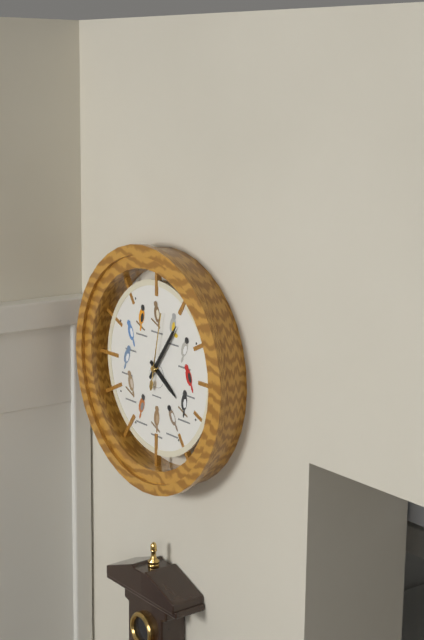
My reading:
h=4 m=6 s=2
